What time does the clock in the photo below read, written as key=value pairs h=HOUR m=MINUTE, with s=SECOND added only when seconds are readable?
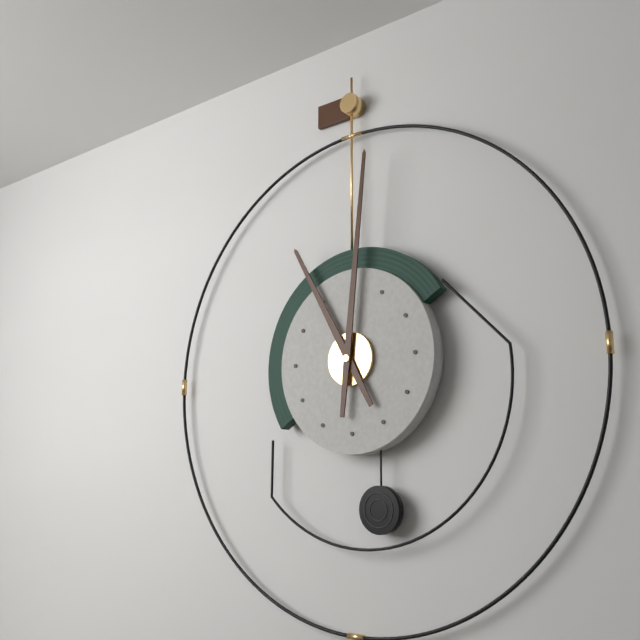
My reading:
h=11 m=1
